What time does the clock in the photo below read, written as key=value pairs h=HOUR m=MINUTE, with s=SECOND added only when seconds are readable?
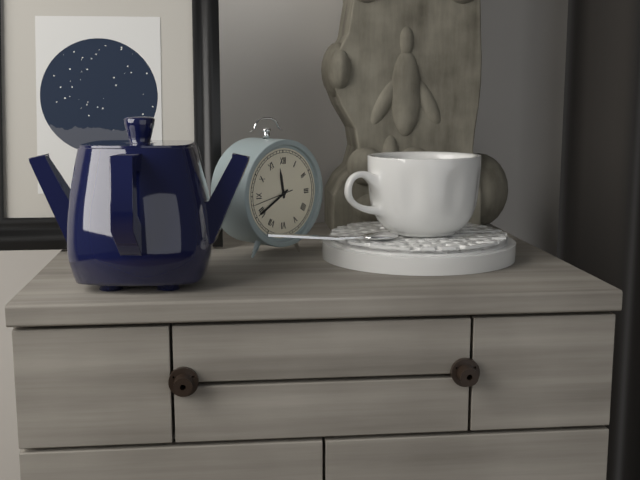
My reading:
h=11 m=40
